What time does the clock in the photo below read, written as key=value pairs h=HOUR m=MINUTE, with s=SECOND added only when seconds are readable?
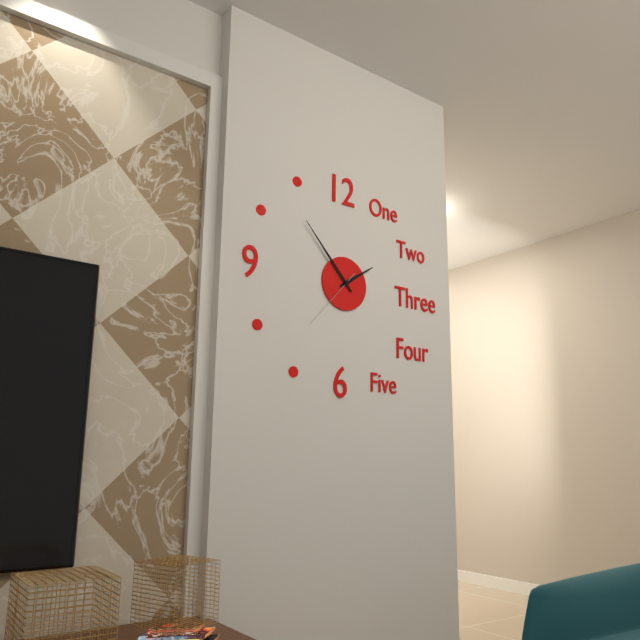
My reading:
h=1 m=53 s=37
